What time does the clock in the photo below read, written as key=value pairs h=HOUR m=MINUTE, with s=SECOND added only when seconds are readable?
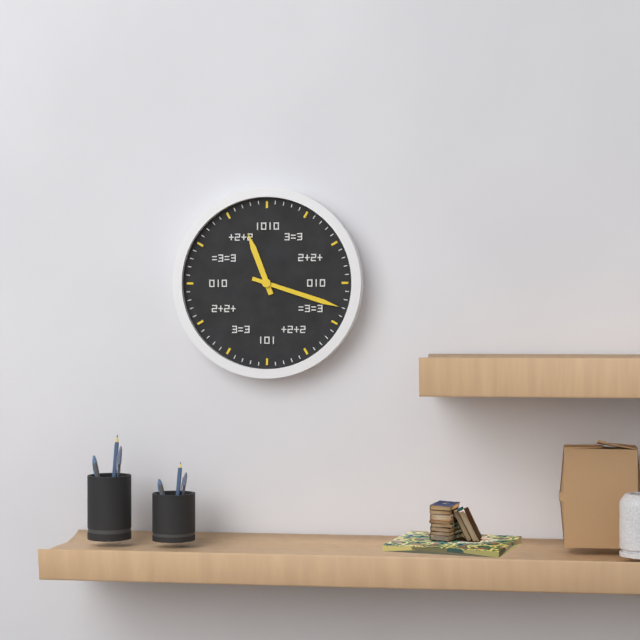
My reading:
h=11 m=18
